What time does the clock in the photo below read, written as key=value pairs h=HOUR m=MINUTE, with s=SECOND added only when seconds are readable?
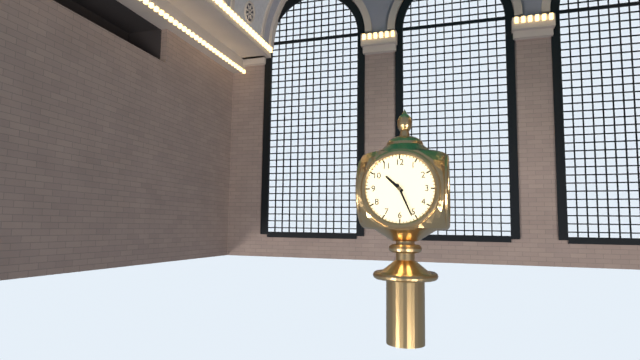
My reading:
h=10 m=26
